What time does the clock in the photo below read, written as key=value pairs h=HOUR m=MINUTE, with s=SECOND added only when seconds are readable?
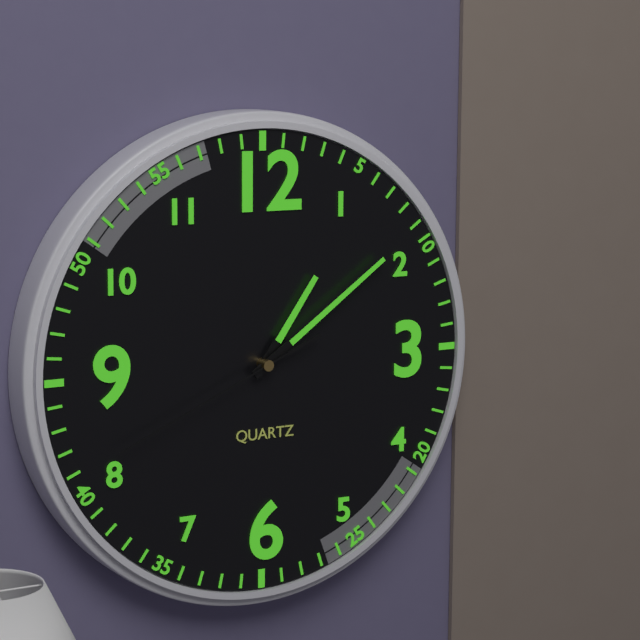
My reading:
h=1 m=9 s=41
